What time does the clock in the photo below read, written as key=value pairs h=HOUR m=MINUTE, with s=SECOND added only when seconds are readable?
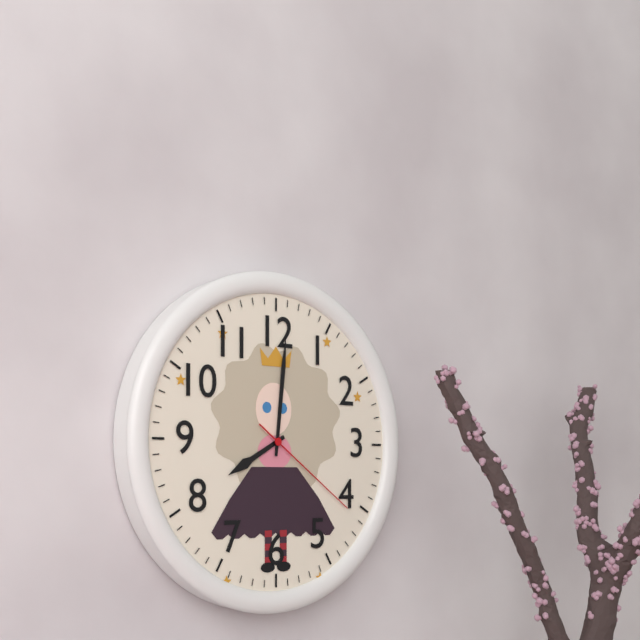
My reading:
h=8 m=1 s=21
